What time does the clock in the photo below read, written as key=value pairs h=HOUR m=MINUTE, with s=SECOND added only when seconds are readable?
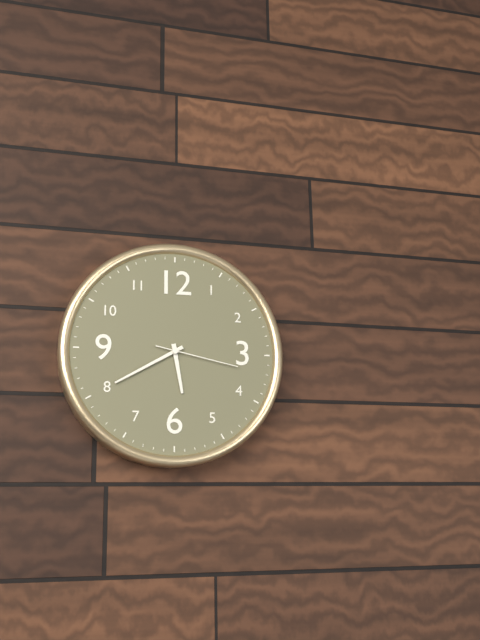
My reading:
h=5 m=40 s=17
